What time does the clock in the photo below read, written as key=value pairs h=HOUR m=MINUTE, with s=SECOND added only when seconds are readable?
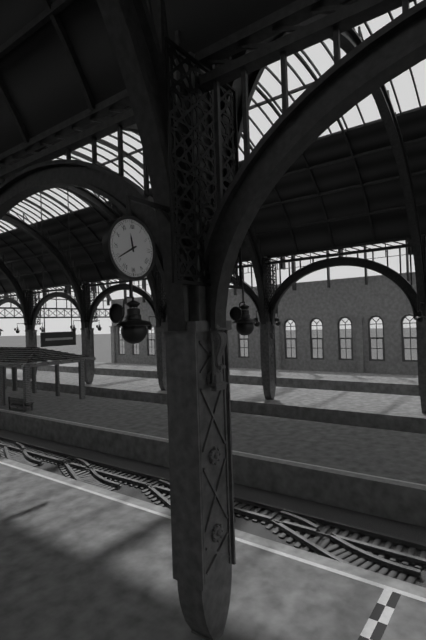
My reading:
h=11 m=40
